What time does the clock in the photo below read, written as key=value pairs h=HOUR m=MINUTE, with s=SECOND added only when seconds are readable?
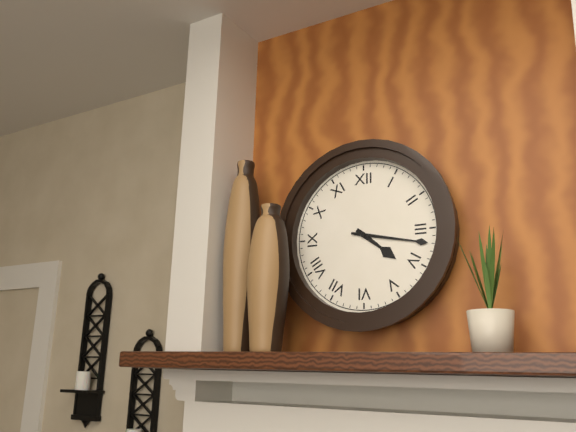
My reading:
h=4 m=17
